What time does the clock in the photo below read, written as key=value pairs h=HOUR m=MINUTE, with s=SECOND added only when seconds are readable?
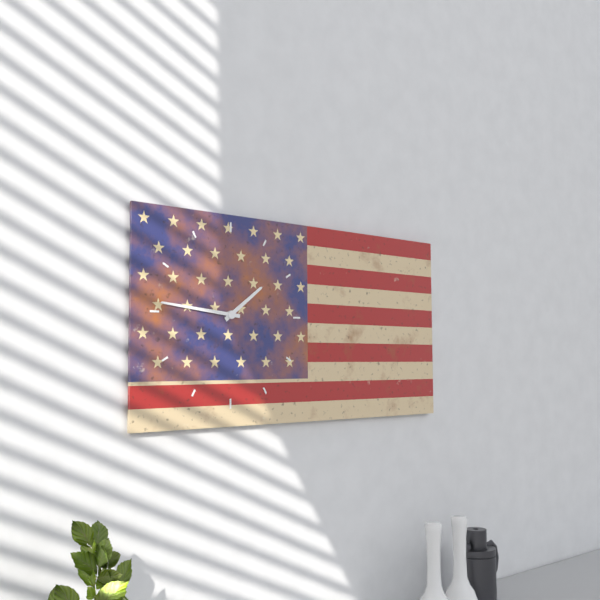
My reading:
h=1 m=46
